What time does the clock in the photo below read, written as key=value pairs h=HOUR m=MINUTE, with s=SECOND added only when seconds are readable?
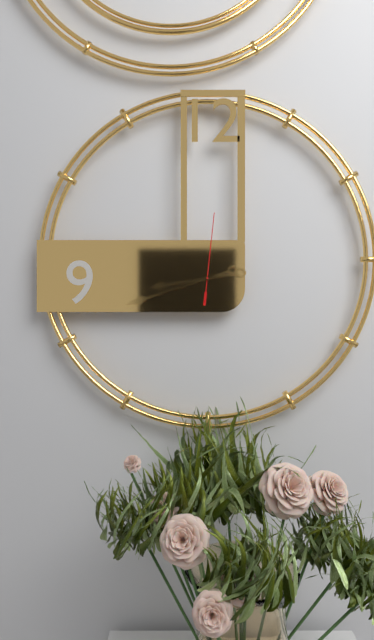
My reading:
h=8 m=42 s=1
